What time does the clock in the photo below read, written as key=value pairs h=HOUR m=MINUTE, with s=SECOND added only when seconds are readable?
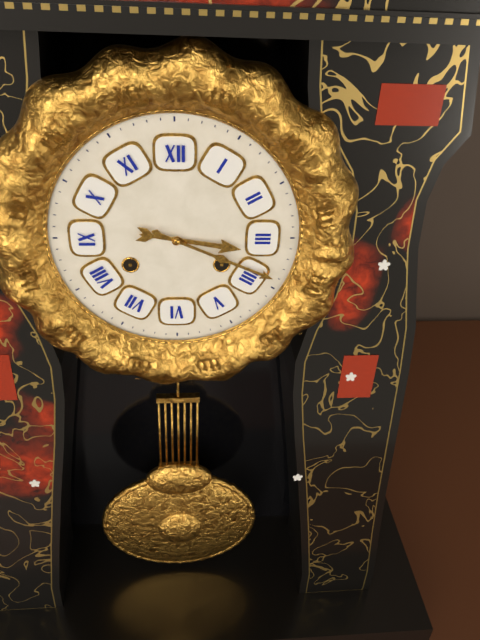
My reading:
h=3 m=19
